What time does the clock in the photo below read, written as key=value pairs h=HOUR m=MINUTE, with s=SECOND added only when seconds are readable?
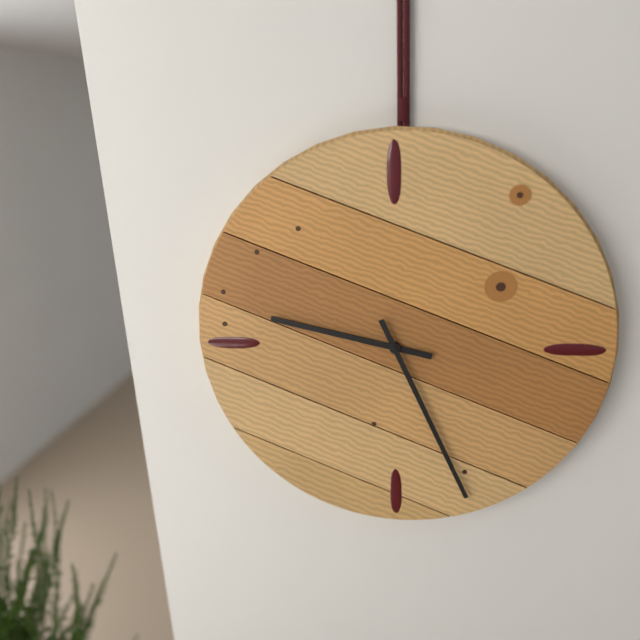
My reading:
h=9 m=26
